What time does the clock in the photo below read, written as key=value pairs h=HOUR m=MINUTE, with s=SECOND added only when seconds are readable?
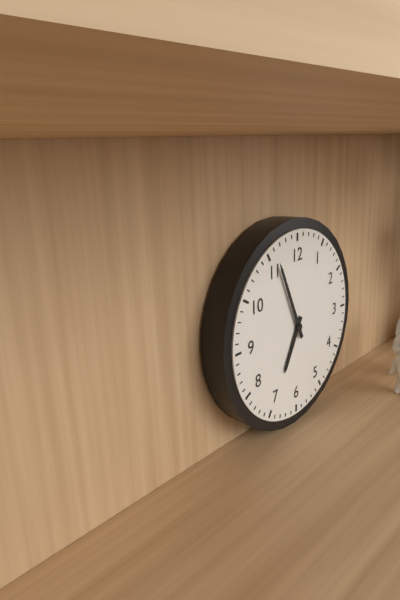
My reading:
h=6 m=56
